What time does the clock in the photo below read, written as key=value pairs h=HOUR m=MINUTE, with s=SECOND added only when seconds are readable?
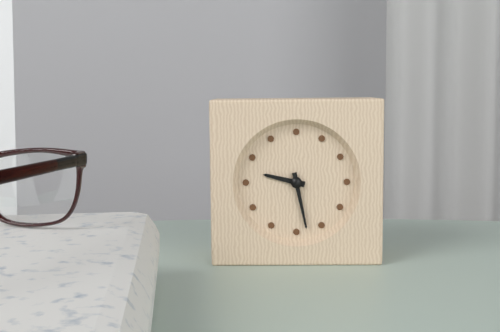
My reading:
h=9 m=28
